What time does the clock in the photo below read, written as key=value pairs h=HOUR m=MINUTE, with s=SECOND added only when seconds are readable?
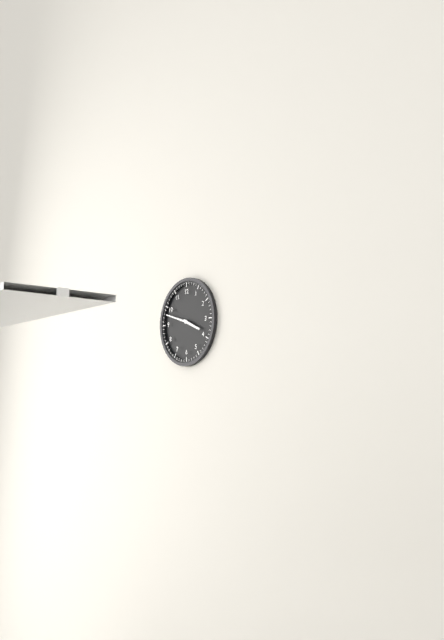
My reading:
h=3 m=48
